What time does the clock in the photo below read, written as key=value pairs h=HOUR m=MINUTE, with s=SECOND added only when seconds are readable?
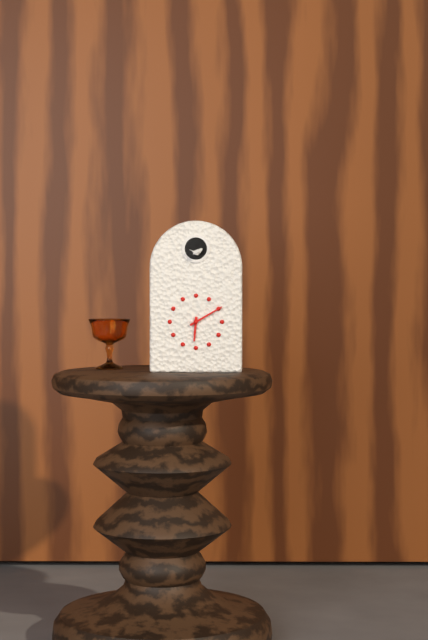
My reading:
h=6 m=10
